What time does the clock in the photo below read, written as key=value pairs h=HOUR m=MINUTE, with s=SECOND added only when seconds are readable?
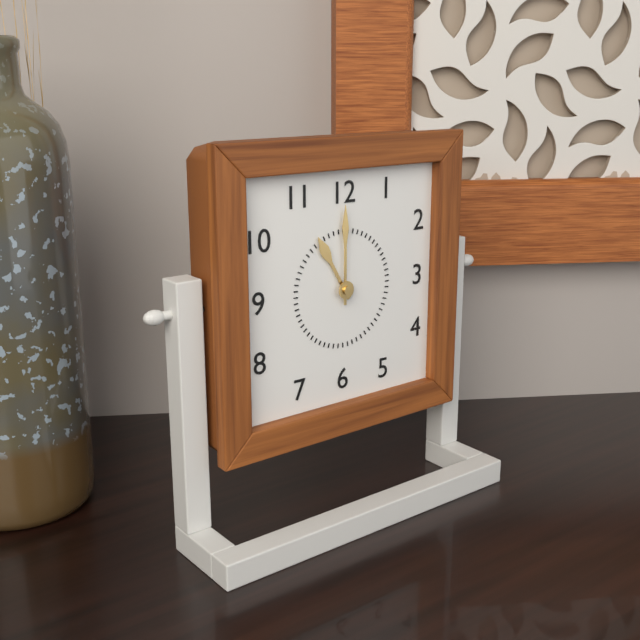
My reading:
h=11 m=0
